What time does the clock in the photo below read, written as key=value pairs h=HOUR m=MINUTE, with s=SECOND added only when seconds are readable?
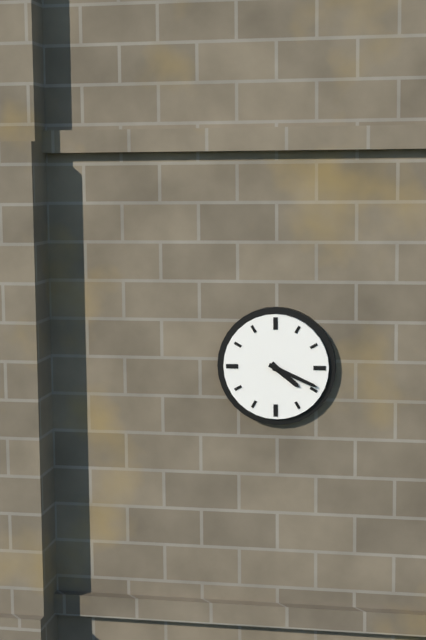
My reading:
h=4 m=19
